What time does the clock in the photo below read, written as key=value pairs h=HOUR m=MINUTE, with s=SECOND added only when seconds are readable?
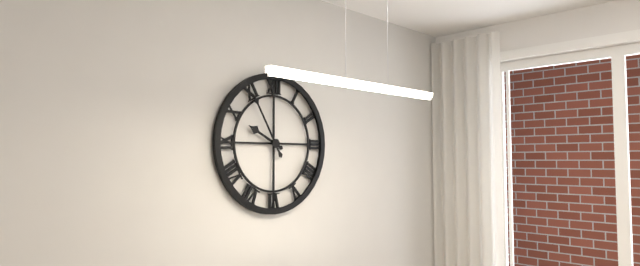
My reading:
h=9 m=55
